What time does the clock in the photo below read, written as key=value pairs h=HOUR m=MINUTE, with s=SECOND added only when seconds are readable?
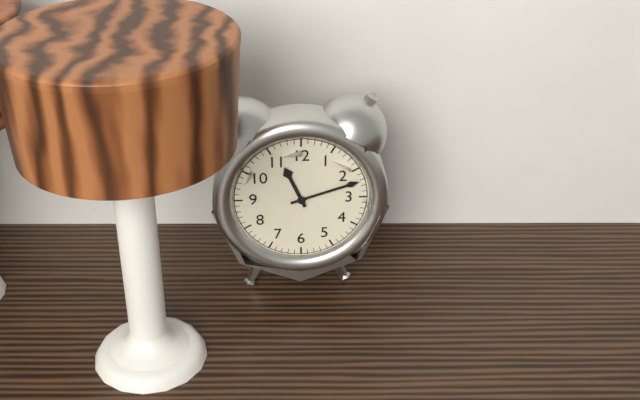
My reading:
h=11 m=12
